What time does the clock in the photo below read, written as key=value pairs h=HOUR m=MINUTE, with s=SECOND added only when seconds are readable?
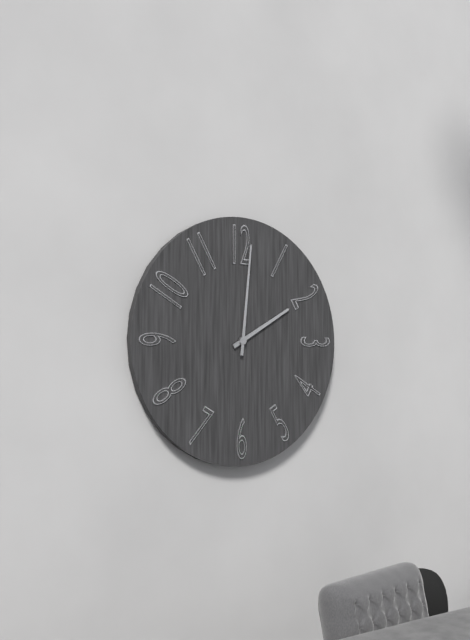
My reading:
h=2 m=1
